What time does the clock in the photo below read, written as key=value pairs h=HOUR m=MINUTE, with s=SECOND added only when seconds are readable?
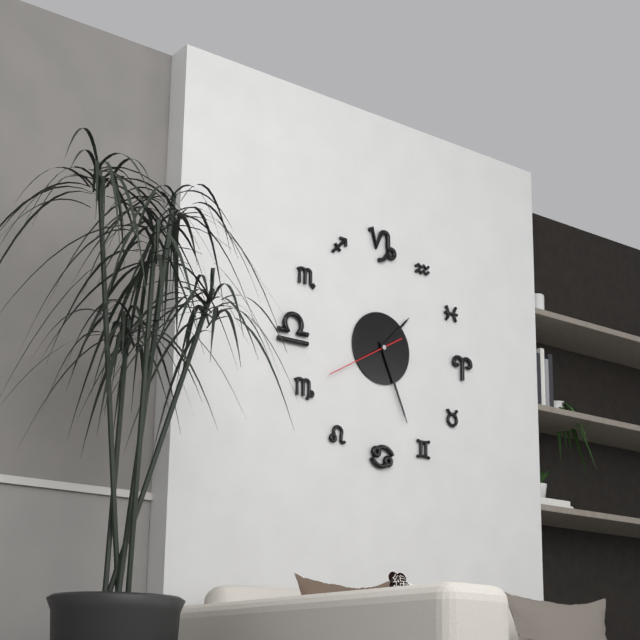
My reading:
h=1 m=26 s=40
